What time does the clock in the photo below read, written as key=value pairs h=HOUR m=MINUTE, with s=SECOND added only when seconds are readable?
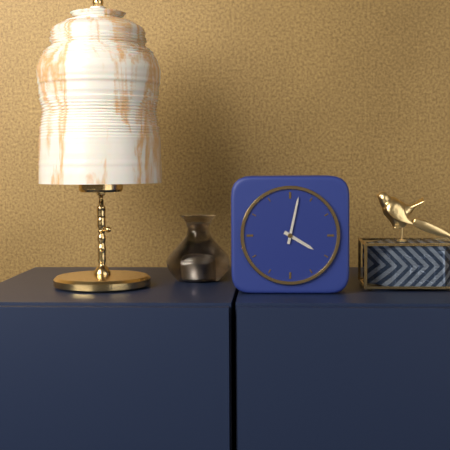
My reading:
h=4 m=2
